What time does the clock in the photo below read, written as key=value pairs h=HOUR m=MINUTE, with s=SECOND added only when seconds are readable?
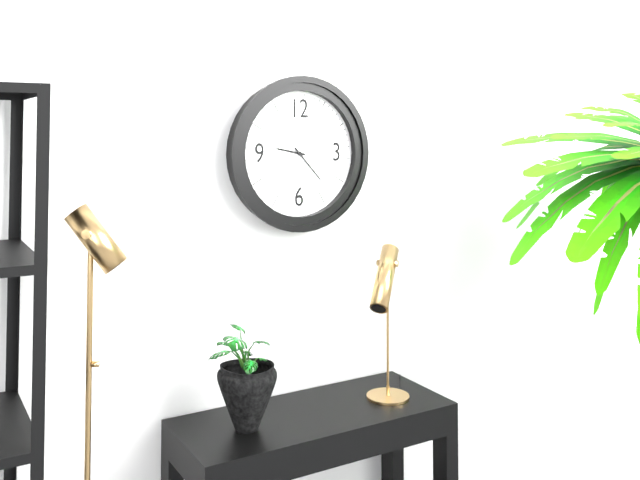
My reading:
h=9 m=23
